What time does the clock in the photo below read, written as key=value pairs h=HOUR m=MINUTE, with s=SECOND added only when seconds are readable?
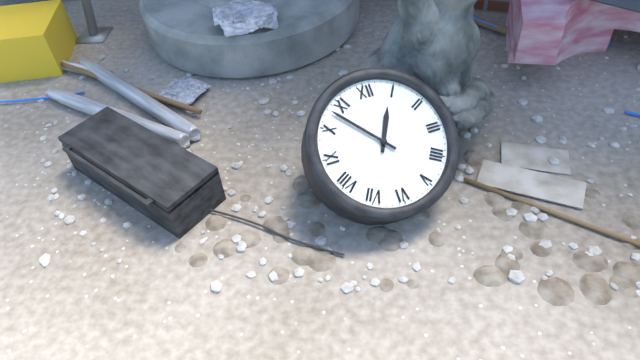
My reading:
h=12 m=53
